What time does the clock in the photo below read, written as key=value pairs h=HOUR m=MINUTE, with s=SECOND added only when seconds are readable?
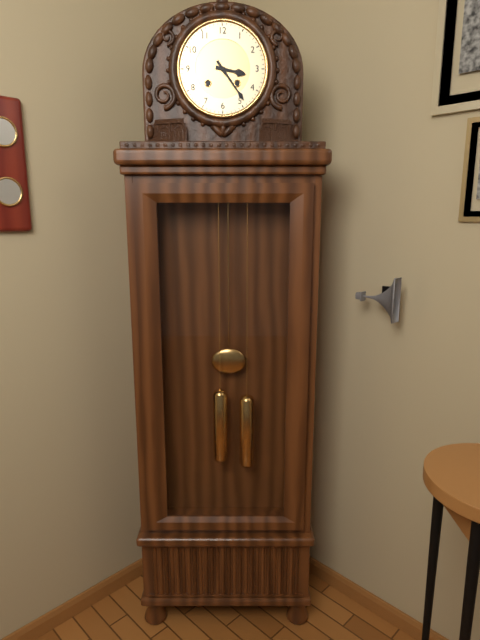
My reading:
h=3 m=24
